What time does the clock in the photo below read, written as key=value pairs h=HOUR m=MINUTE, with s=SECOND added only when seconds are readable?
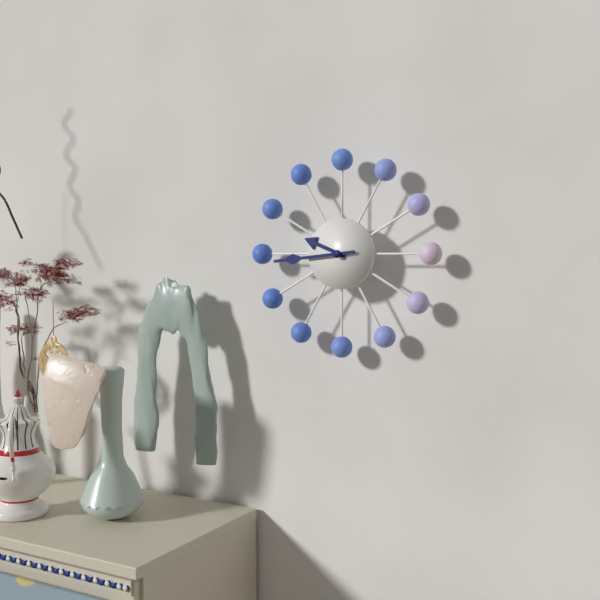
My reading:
h=9 m=44
